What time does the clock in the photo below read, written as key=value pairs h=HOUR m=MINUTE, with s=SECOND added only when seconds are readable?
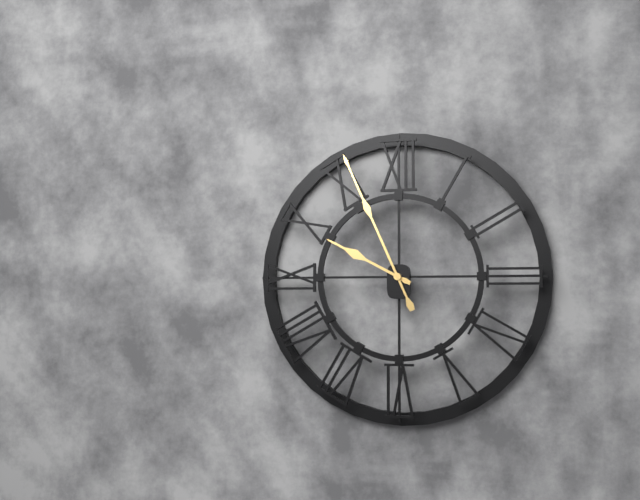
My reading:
h=9 m=56
